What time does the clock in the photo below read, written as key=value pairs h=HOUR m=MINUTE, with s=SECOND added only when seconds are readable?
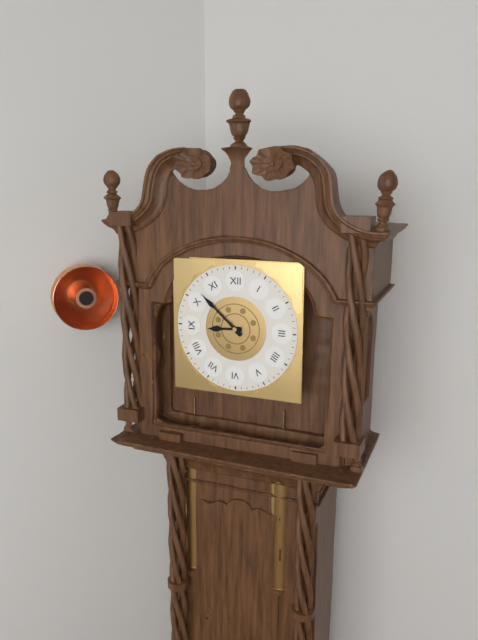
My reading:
h=8 m=52
